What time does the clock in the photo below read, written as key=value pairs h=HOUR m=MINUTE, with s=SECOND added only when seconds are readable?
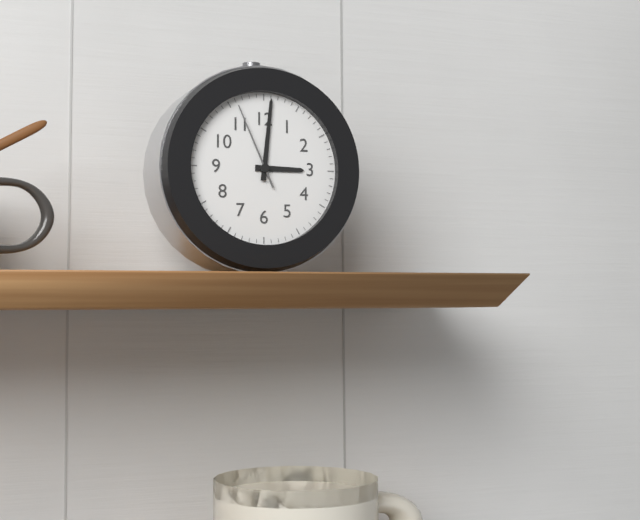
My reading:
h=3 m=1 s=56
